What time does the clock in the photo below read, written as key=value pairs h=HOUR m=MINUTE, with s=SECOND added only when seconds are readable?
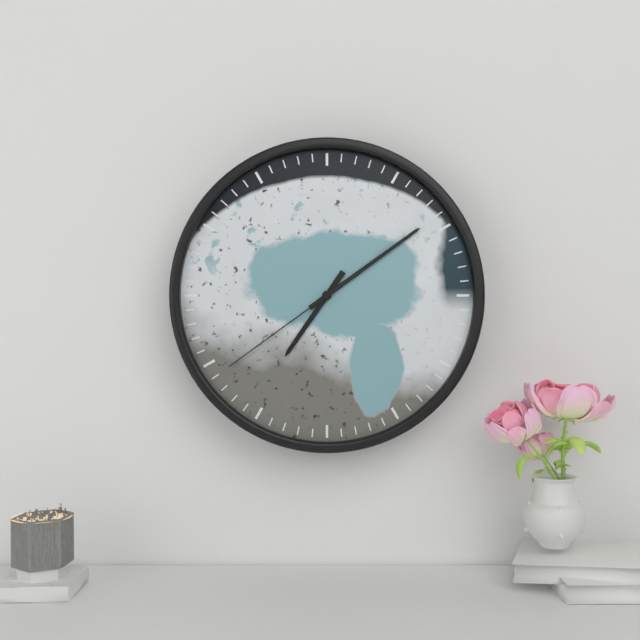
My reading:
h=7 m=9 s=39
